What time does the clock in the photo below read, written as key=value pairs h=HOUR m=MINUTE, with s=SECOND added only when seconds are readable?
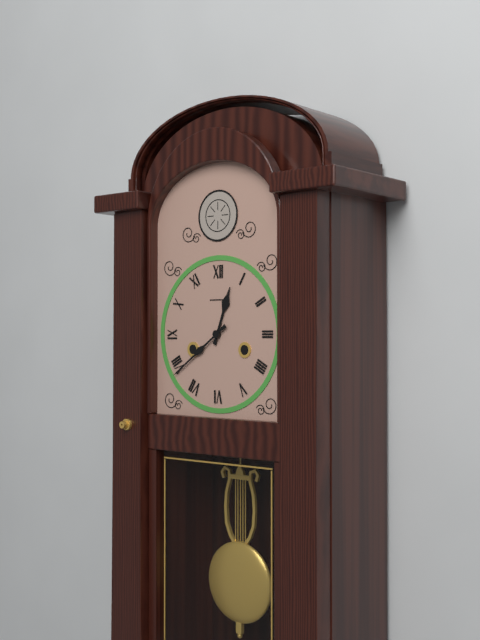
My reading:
h=12 m=39
